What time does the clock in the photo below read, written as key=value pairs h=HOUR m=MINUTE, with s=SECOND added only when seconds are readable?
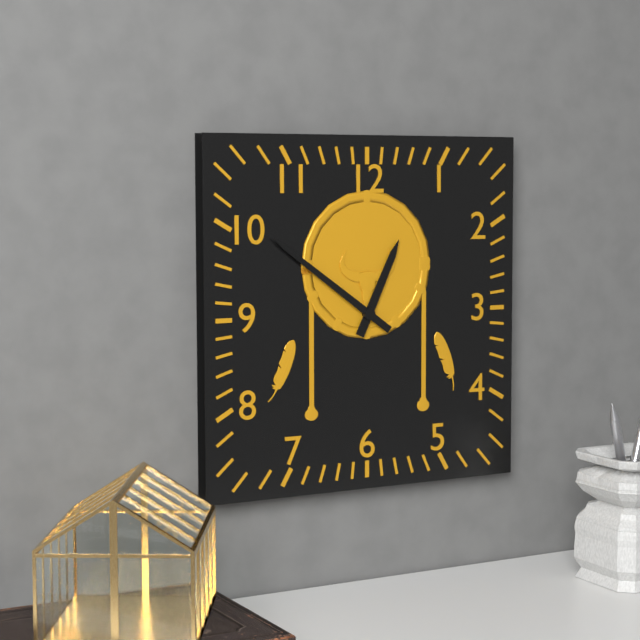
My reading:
h=12 m=51
